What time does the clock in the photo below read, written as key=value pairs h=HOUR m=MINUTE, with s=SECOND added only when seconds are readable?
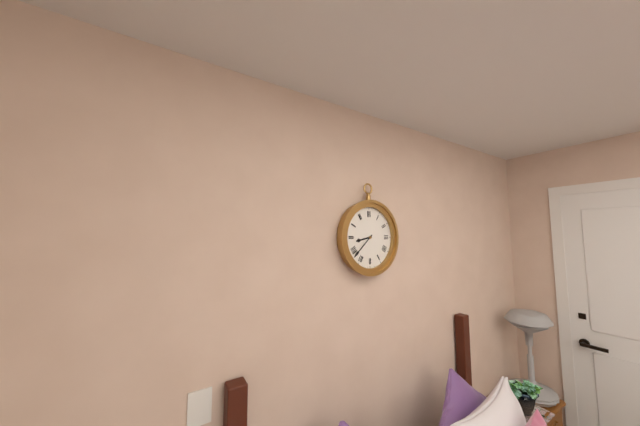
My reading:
h=8 m=38
